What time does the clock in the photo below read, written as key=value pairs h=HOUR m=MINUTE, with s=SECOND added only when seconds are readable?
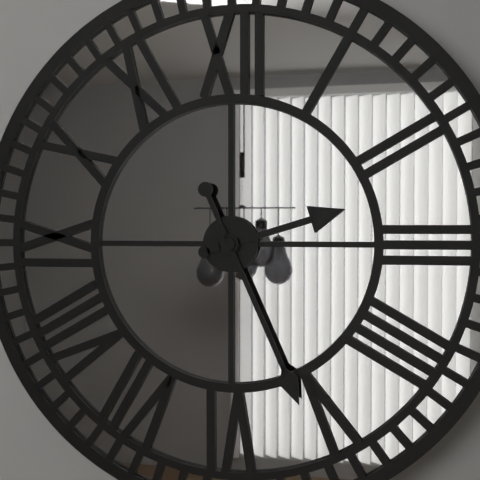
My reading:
h=2 m=26
